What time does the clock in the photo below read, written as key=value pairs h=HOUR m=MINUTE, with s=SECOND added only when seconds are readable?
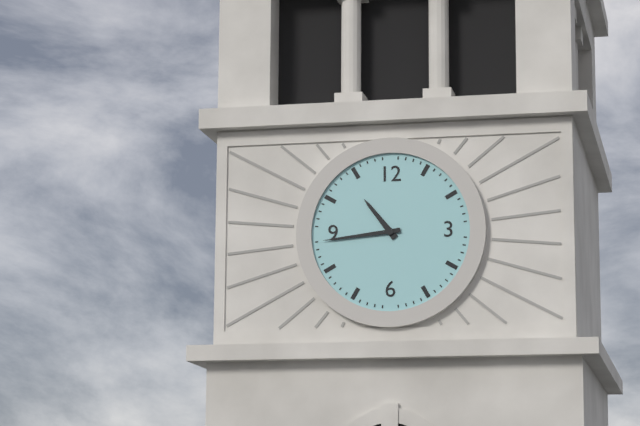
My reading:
h=10 m=44
